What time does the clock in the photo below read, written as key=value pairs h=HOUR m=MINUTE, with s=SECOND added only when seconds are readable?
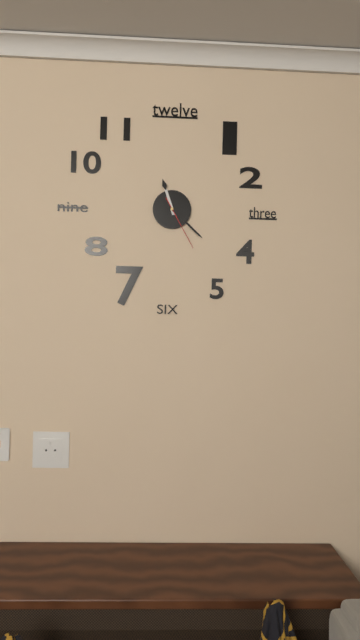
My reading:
h=11 m=22 s=25
